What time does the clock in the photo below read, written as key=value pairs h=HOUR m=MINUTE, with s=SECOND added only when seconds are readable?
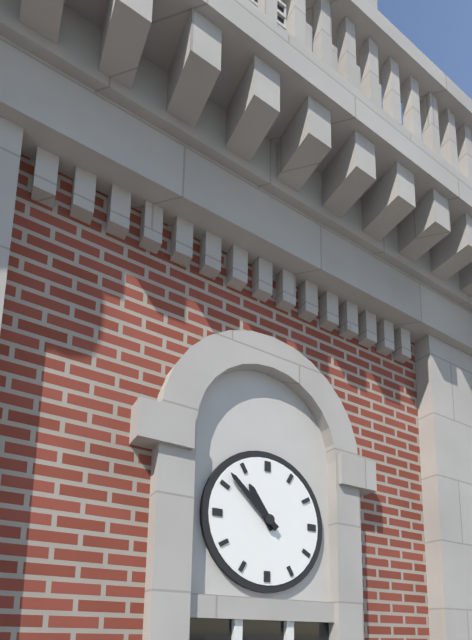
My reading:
h=10 m=52
